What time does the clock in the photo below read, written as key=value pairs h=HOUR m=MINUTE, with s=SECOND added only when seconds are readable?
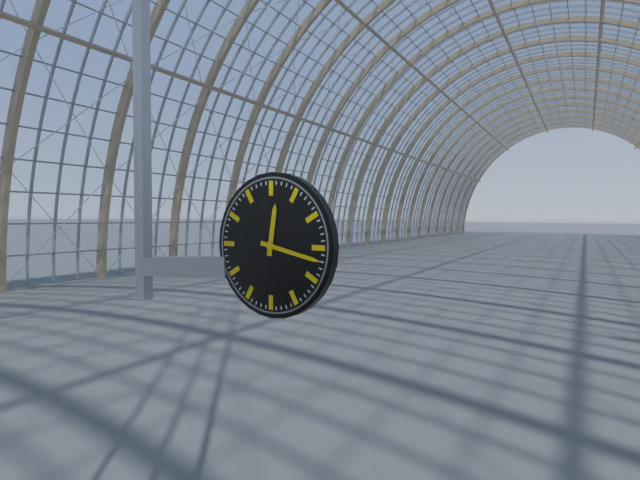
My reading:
h=12 m=17
